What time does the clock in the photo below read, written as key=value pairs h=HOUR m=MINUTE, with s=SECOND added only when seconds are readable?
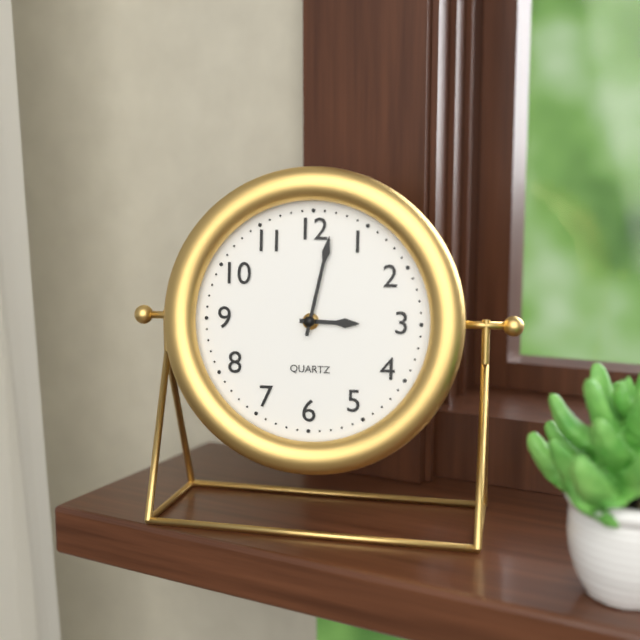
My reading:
h=3 m=2
